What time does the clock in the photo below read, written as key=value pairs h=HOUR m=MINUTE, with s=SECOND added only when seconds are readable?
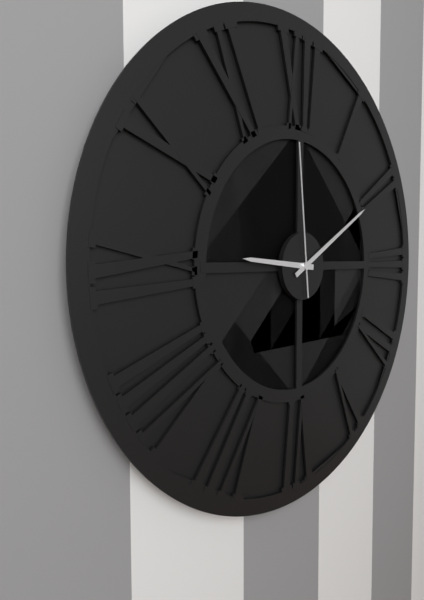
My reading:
h=9 m=10 s=59
